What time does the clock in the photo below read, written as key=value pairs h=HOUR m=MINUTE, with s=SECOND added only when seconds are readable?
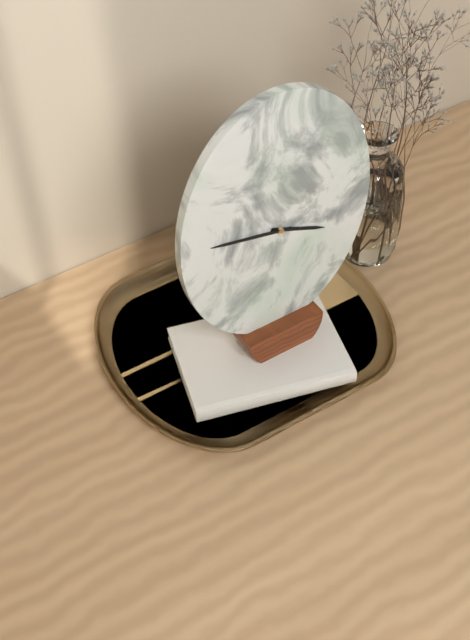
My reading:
h=3 m=47
